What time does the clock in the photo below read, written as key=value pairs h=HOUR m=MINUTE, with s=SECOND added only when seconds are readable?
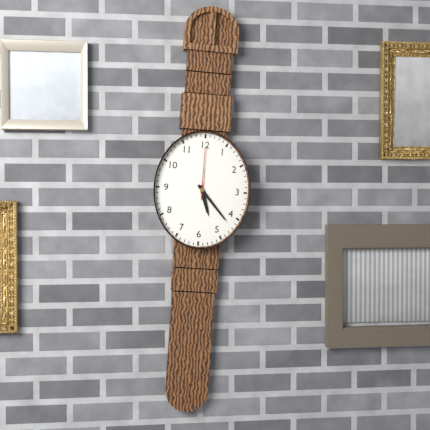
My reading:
h=5 m=23 s=0
